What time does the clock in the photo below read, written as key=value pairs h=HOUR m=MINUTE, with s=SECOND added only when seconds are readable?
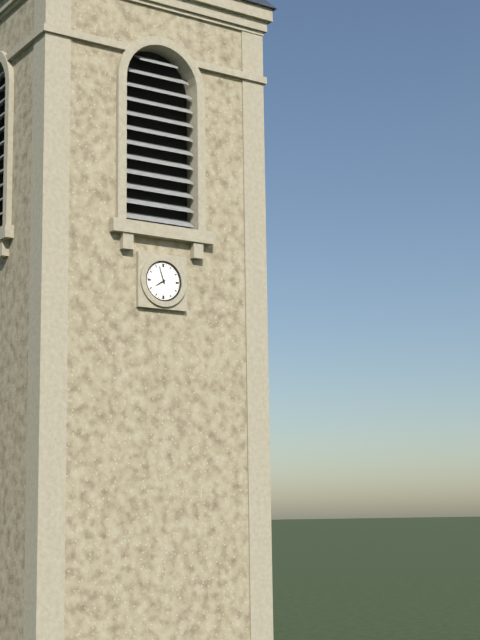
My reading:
h=7 m=57
